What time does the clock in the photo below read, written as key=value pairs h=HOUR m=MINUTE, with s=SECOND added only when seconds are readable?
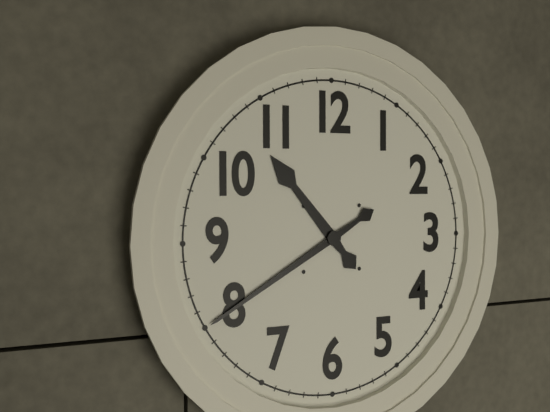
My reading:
h=10 m=40
